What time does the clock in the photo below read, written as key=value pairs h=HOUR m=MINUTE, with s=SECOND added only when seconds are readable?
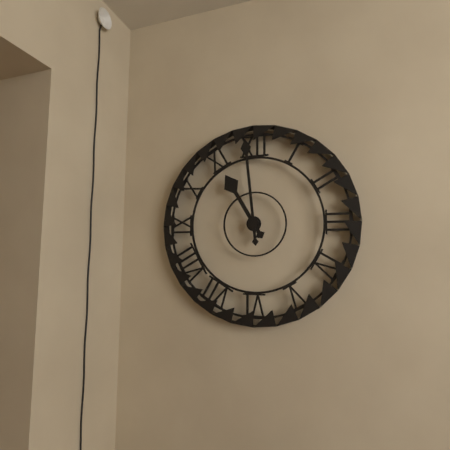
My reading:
h=10 m=59
